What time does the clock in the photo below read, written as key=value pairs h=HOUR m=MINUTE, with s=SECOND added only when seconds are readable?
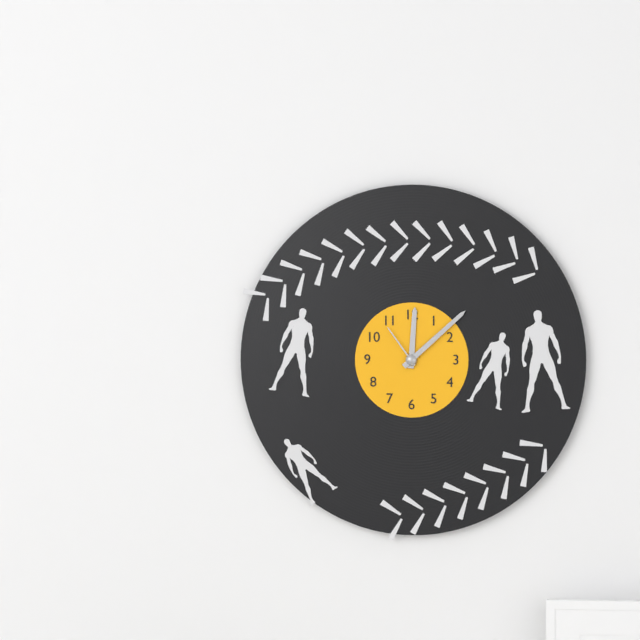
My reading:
h=12 m=8 s=54
